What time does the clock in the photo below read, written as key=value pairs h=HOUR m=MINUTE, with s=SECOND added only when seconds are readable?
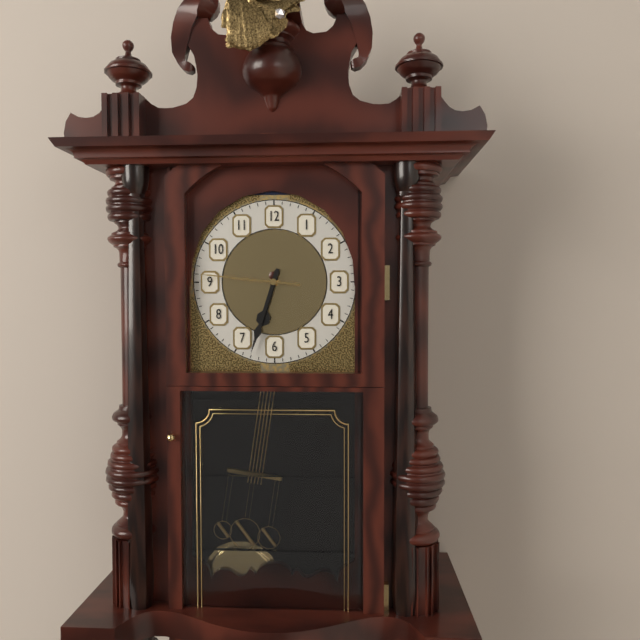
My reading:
h=6 m=33 s=46
